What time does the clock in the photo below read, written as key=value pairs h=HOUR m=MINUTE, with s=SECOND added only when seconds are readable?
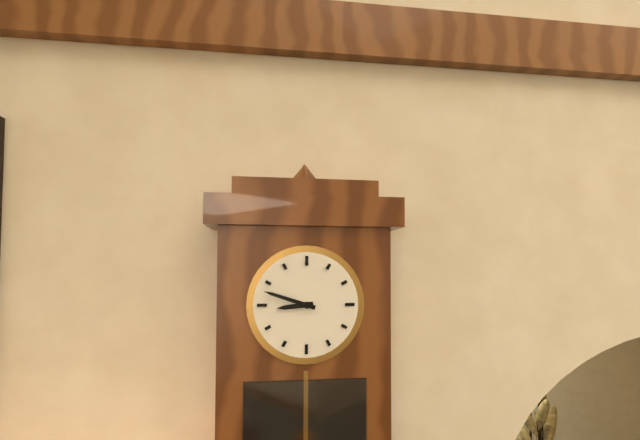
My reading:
h=8 m=48
